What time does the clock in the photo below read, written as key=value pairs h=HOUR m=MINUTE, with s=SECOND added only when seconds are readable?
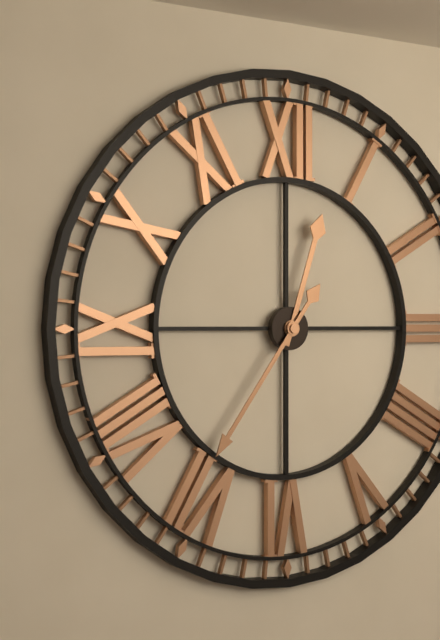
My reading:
h=12 m=36
